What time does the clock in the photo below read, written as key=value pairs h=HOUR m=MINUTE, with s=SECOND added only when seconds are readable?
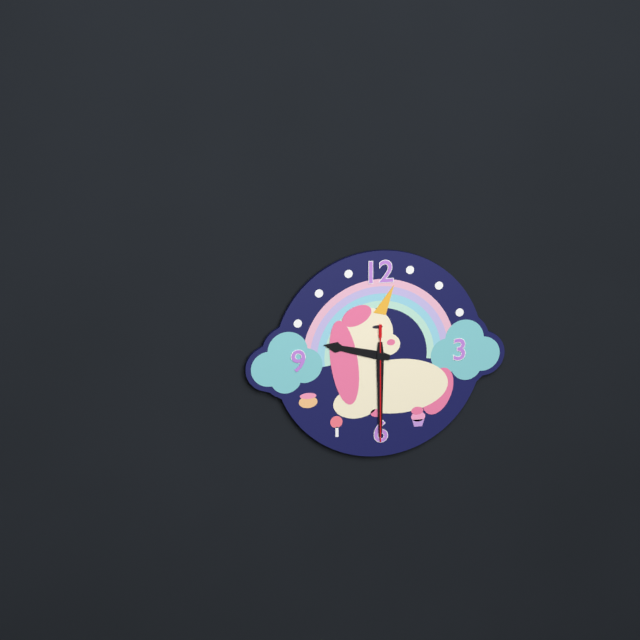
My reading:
h=9 m=30 s=30
